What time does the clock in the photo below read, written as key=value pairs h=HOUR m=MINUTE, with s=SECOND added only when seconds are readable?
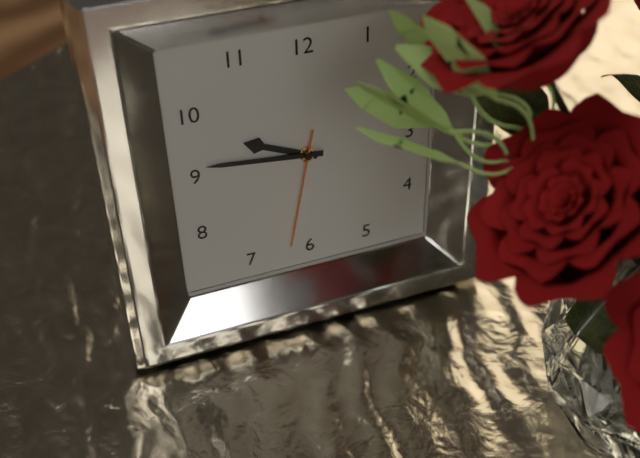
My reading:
h=9 m=46 s=32
